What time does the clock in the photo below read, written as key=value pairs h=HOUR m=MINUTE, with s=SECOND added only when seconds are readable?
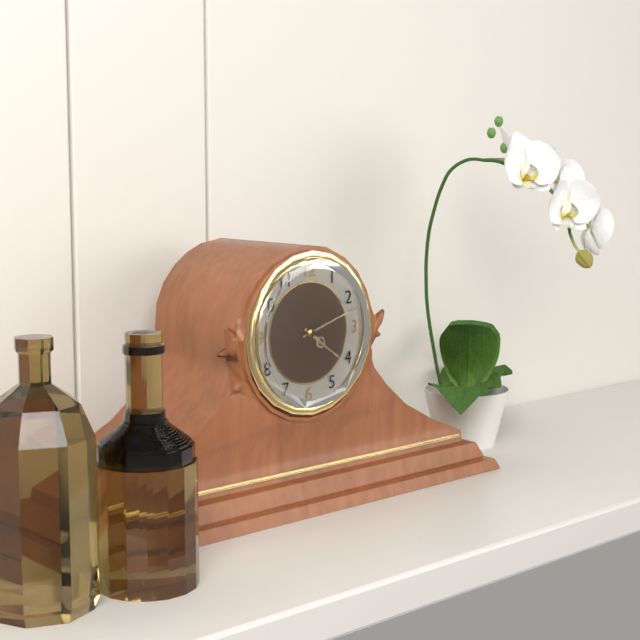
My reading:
h=4 m=12
